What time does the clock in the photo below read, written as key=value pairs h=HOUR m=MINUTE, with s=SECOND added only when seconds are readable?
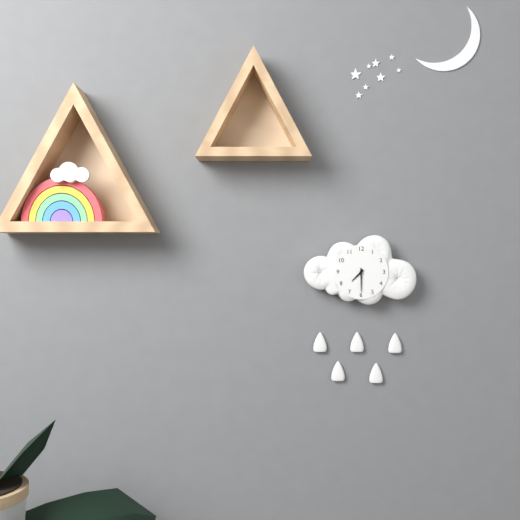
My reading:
h=7 m=30
